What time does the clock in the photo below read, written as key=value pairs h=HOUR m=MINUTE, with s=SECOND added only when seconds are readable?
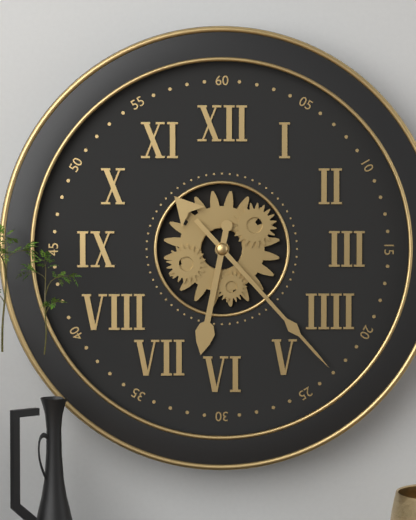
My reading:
h=6 m=23
